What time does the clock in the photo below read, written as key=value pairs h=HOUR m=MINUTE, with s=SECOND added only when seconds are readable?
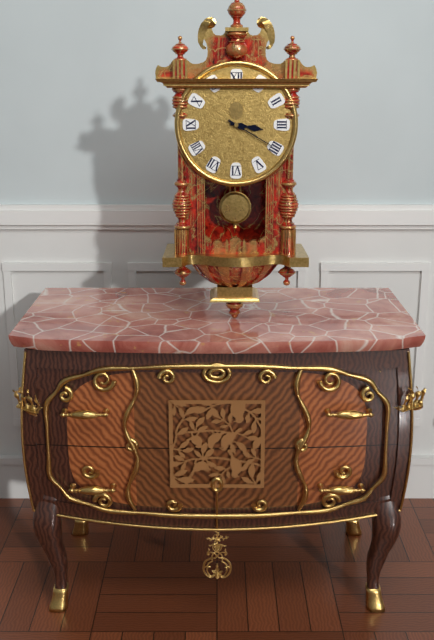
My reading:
h=3 m=20
